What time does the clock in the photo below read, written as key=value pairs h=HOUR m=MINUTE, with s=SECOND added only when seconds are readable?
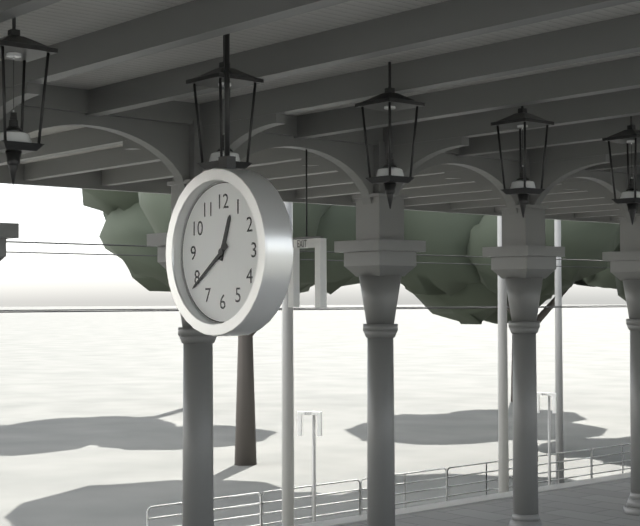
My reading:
h=12 m=39
